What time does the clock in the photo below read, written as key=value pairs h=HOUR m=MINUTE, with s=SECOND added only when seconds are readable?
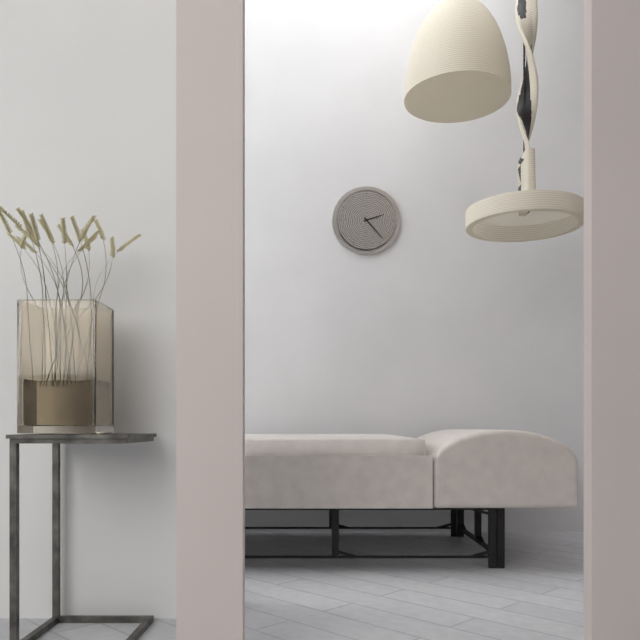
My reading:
h=2 m=23
